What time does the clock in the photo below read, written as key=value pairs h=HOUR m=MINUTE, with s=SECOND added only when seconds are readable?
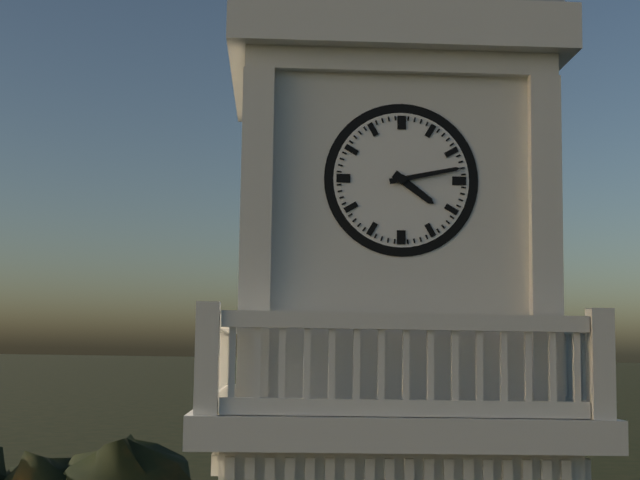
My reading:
h=4 m=13
